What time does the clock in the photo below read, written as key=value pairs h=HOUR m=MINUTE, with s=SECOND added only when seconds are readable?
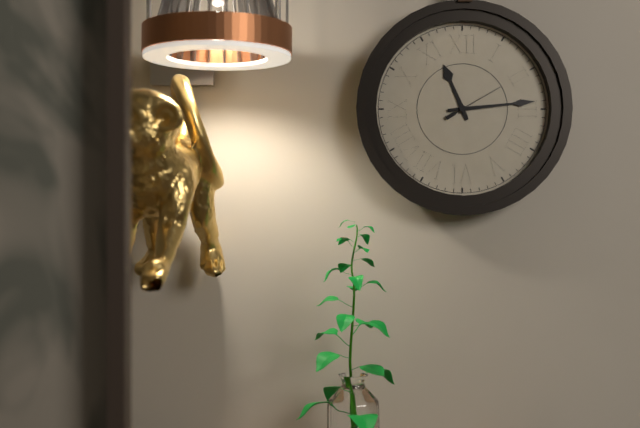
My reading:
h=11 m=14 s=10
